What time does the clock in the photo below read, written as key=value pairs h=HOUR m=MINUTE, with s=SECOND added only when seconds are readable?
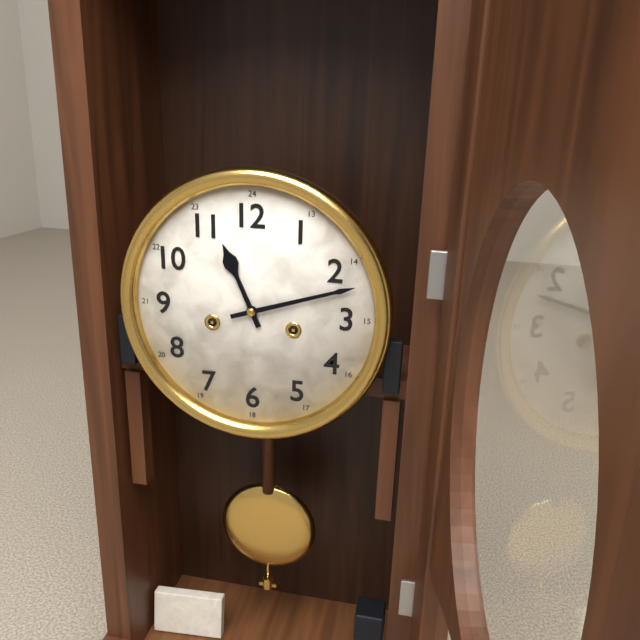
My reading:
h=11 m=12
